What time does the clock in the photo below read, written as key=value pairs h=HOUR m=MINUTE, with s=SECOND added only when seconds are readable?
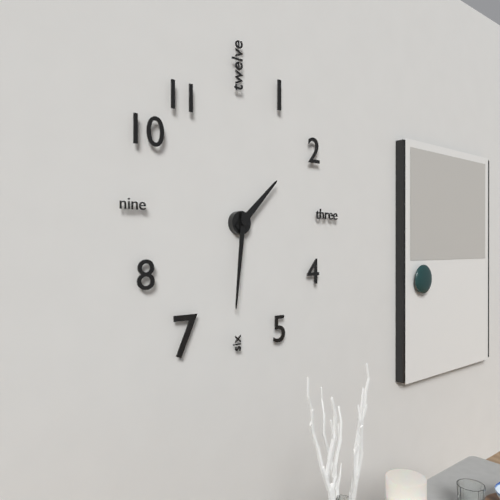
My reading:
h=1 m=31
